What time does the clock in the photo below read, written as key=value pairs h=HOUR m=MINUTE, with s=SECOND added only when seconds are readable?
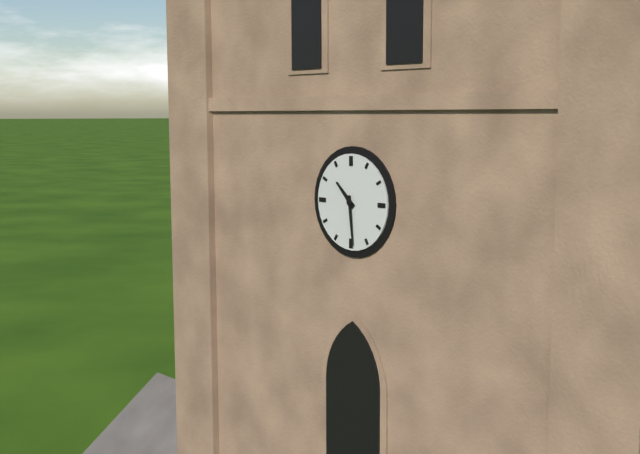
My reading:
h=10 m=29
